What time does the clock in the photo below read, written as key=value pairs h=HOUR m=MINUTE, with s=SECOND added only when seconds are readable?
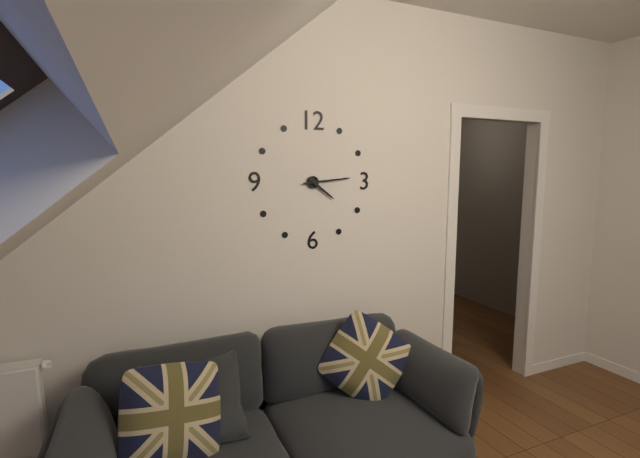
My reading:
h=4 m=14
